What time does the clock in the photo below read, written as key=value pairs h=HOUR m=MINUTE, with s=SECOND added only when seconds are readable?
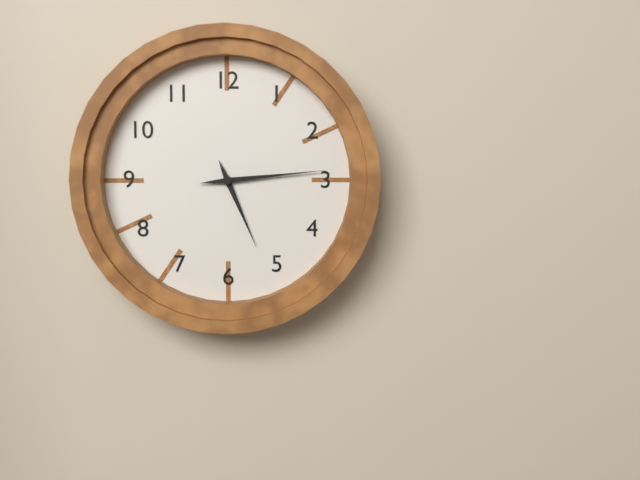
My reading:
h=5 m=14
